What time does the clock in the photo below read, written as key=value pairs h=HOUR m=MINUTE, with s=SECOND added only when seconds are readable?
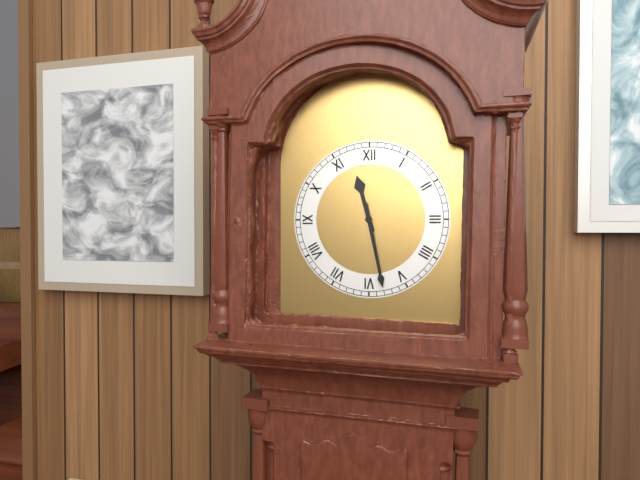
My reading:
h=11 m=28
